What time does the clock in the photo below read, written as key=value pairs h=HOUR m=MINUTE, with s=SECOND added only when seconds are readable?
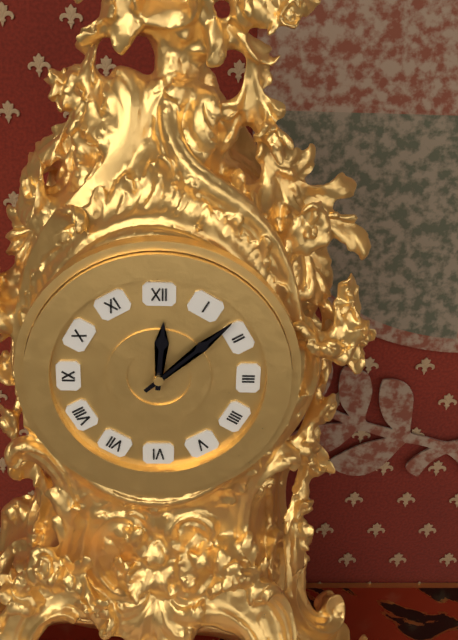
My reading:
h=12 m=8
